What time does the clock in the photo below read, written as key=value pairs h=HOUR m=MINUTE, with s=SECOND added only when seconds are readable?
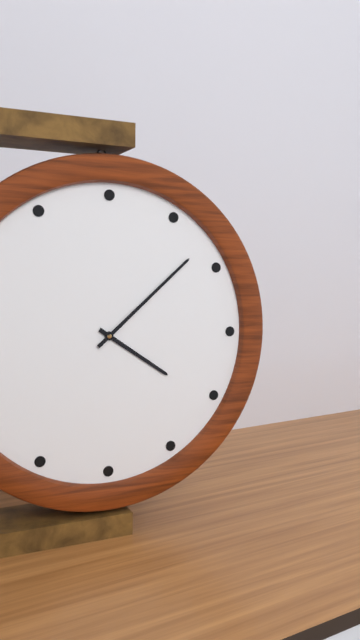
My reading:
h=4 m=8
